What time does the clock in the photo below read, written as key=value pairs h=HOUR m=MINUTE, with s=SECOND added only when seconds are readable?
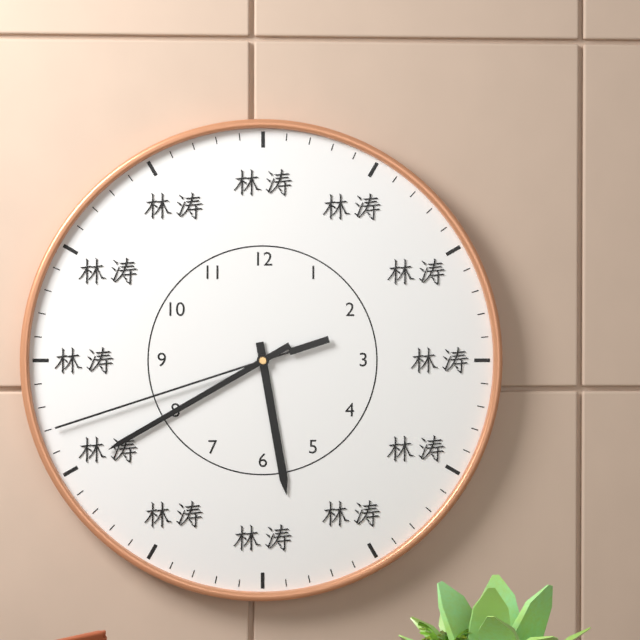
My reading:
h=5 m=40 s=42
